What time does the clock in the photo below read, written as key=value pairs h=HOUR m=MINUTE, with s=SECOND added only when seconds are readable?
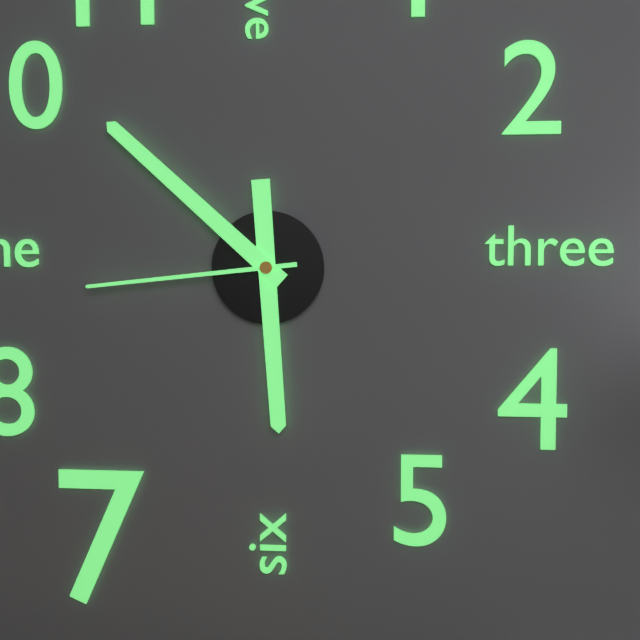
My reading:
h=5 m=52 s=44
